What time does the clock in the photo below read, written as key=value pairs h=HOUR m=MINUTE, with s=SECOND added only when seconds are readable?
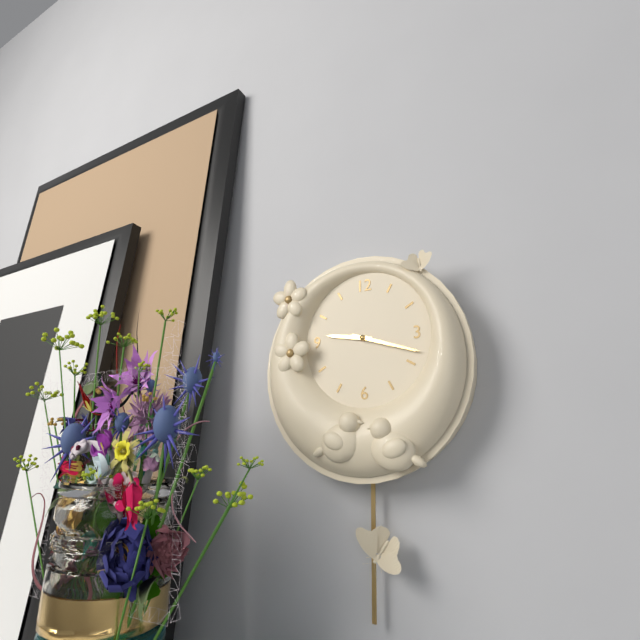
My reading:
h=9 m=18
